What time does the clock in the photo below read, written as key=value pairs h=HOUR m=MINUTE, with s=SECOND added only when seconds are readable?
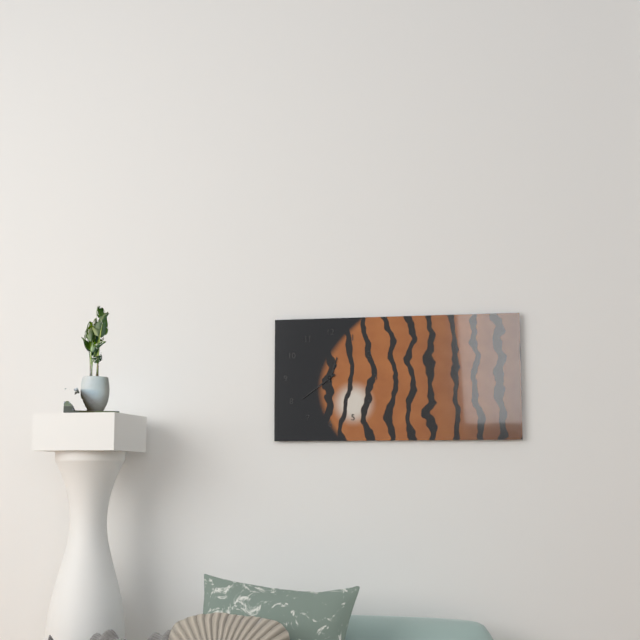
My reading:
h=12 m=39
